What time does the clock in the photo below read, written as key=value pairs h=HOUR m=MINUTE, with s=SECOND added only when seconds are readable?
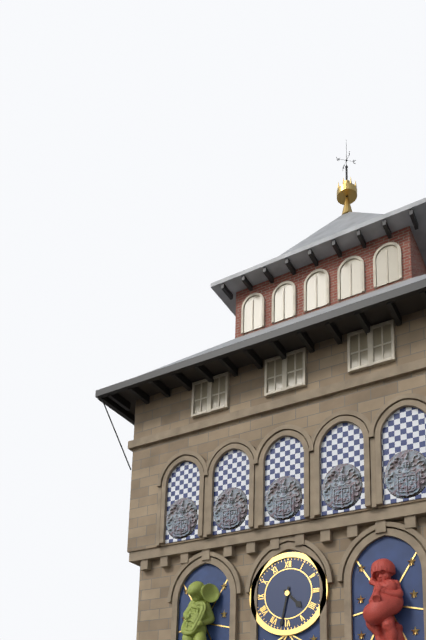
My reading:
h=4 m=32
